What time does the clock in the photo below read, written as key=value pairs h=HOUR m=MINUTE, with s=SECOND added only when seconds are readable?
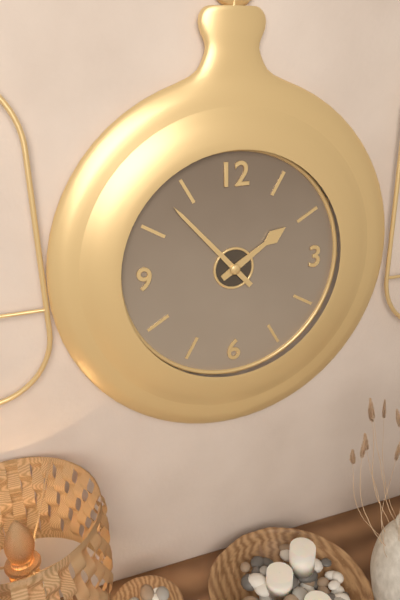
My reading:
h=1 m=53
